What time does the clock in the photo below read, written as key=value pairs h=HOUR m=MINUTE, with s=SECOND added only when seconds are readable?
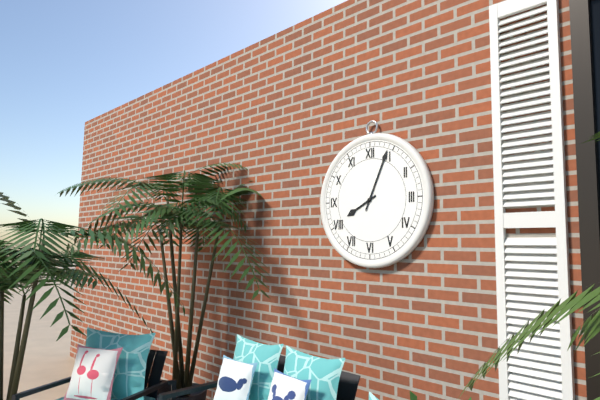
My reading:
h=8 m=4
